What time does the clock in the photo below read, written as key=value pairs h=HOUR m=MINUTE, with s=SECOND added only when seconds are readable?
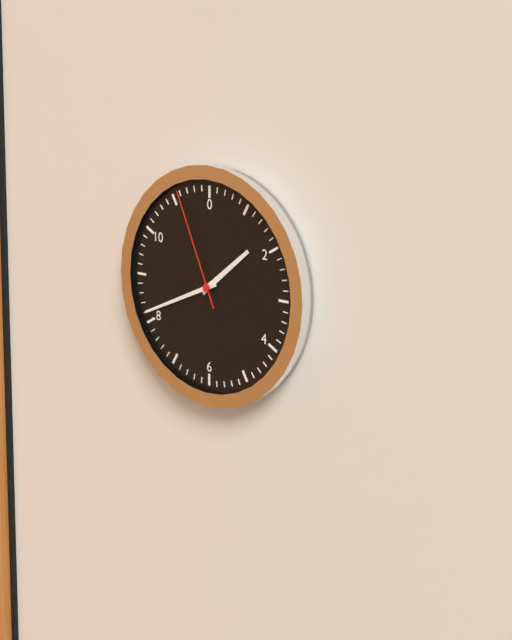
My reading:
h=1 m=41 s=56
